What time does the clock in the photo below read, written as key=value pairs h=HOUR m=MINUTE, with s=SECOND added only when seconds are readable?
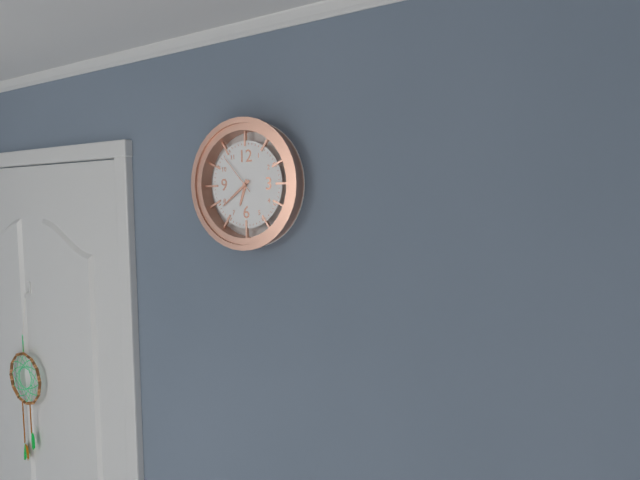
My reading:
h=6 m=39
